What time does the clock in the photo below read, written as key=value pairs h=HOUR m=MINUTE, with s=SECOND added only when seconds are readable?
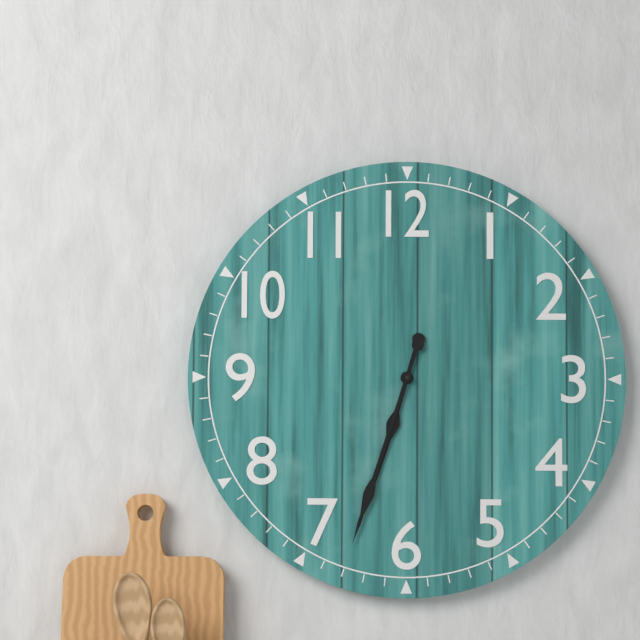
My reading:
h=6 m=33
